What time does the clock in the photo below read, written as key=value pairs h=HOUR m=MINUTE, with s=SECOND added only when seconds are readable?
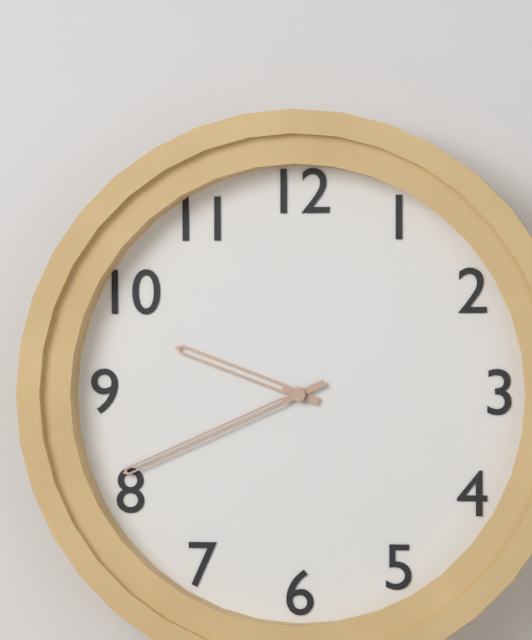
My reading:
h=9 m=41
